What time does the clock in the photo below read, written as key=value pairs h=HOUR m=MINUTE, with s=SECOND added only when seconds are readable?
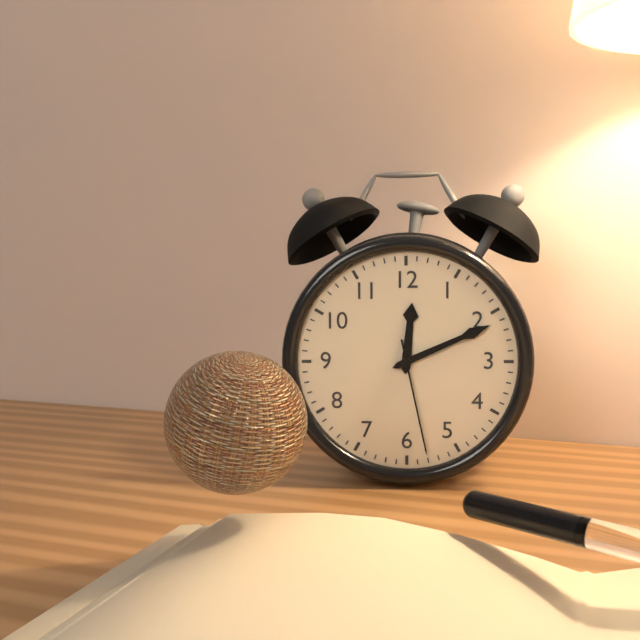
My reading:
h=12 m=11 s=28
